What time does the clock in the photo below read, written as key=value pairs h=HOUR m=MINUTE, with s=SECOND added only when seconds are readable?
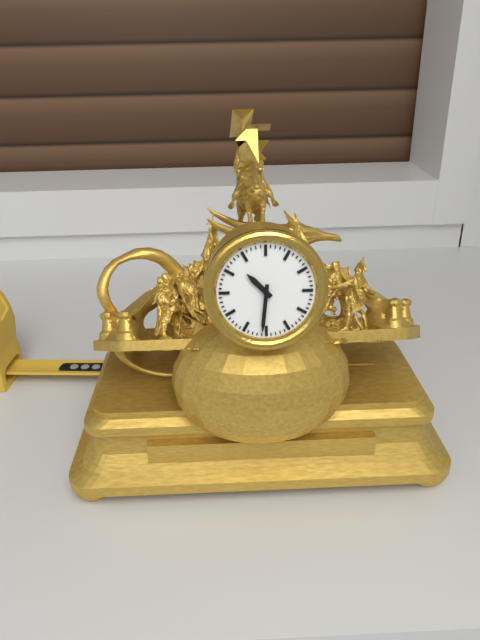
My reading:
h=10 m=31
